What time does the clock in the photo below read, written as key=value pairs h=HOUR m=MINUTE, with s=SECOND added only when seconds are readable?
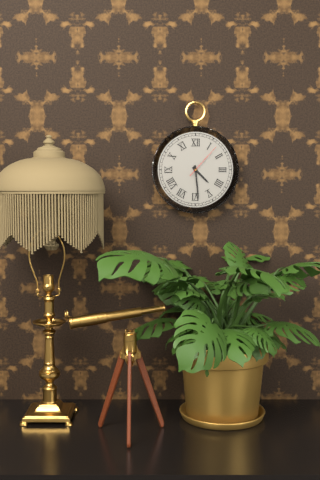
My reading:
h=4 m=29
